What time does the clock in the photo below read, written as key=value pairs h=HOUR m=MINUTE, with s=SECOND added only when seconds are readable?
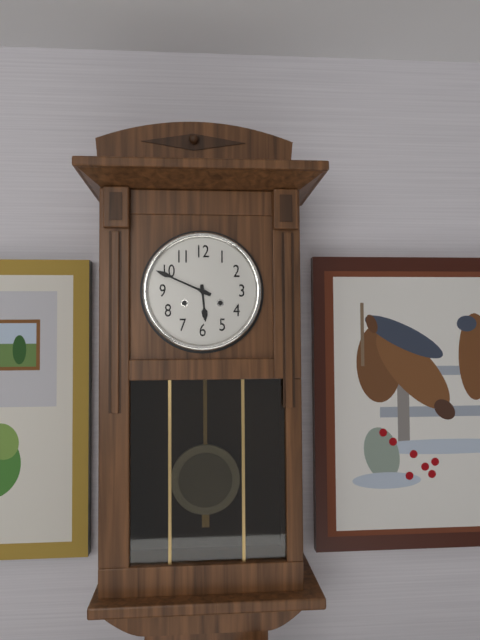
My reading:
h=5 m=49
